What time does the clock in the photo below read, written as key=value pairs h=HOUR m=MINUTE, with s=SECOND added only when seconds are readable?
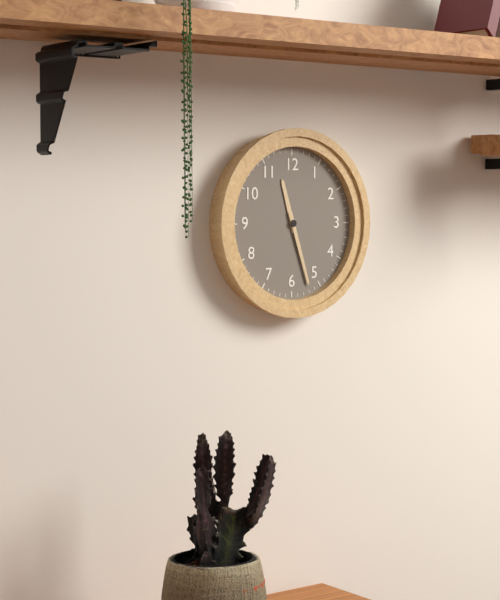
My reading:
h=11 m=27
